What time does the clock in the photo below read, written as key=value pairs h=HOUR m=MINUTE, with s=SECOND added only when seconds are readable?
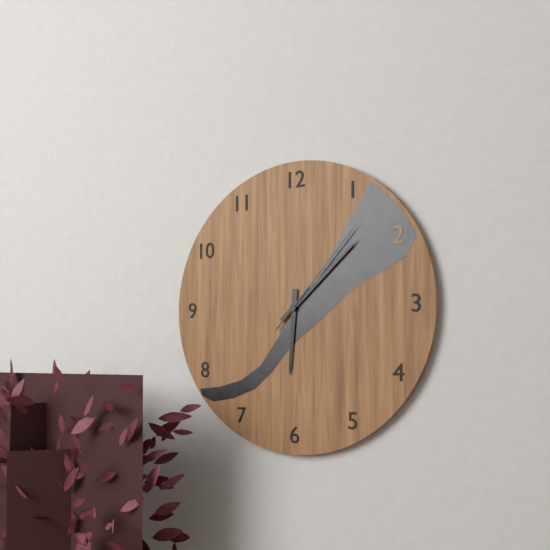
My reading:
h=6 m=8 s=7
